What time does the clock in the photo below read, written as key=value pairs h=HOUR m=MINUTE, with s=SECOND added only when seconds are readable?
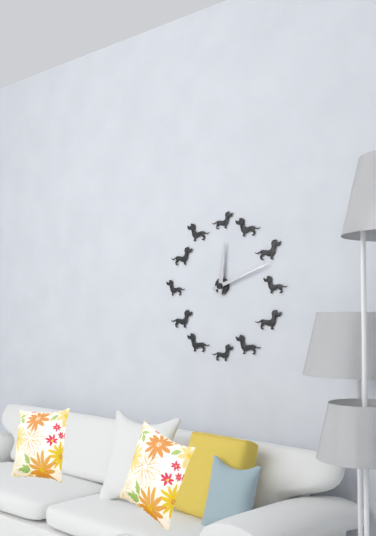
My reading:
h=12 m=12
